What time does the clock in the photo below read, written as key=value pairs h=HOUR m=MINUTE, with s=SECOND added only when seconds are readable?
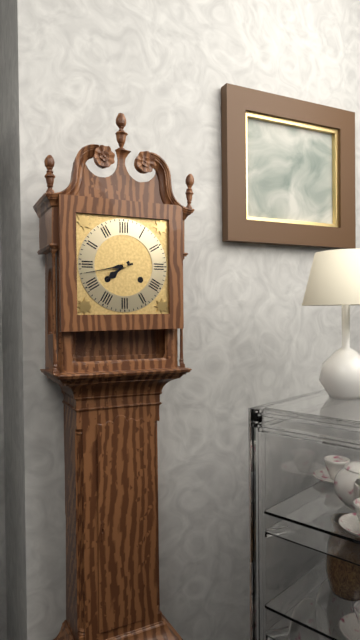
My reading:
h=7 m=43
